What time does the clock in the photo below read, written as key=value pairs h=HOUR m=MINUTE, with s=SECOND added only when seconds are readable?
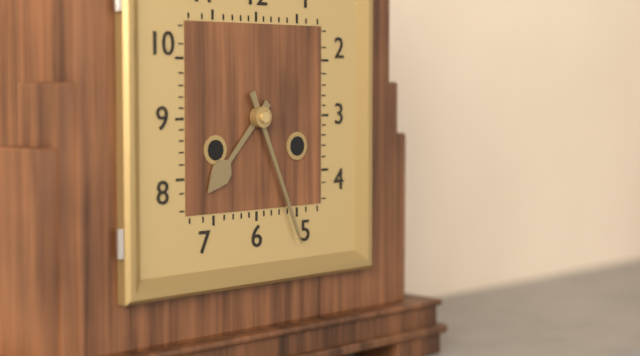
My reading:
h=7 m=26
